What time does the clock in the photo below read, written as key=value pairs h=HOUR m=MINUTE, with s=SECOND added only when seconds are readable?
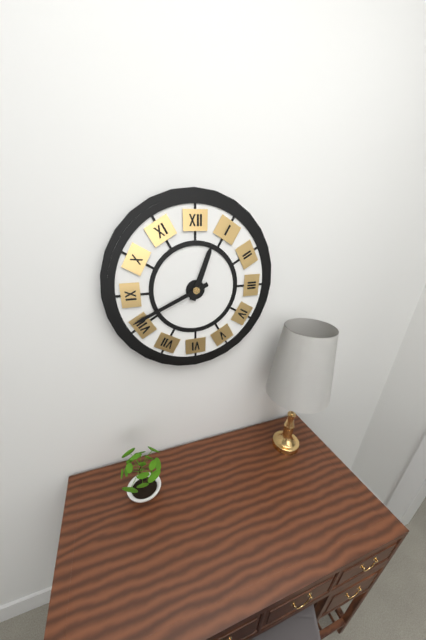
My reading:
h=12 m=41
